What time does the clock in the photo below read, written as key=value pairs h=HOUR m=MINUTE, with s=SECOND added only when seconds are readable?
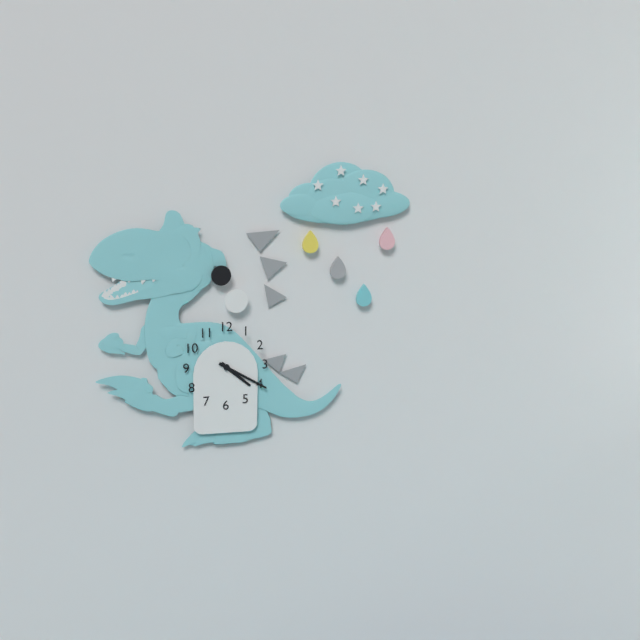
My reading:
h=4 m=20
